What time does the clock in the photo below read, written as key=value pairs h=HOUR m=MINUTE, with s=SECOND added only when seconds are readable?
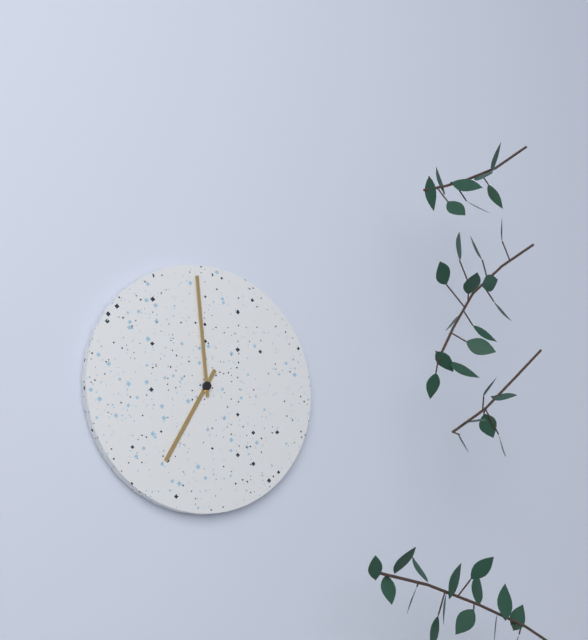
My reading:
h=6 m=59
